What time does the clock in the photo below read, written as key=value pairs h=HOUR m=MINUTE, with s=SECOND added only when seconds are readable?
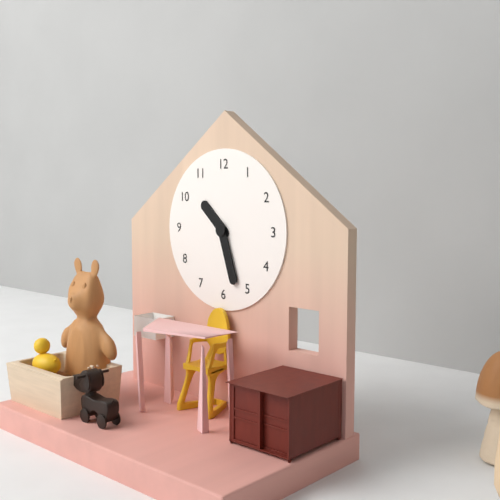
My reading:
h=10 m=27
